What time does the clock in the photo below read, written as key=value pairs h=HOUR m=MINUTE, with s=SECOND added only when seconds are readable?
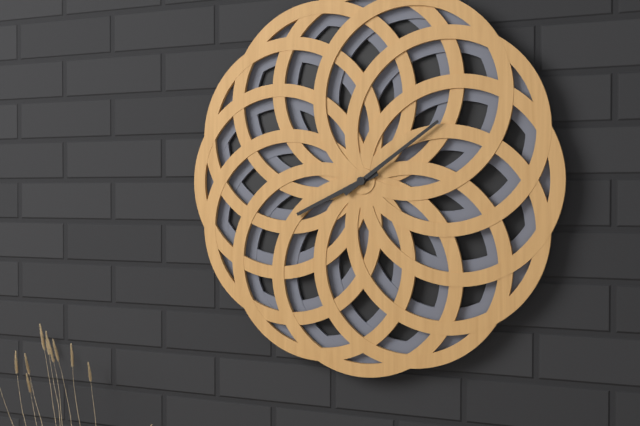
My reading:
h=8 m=9
